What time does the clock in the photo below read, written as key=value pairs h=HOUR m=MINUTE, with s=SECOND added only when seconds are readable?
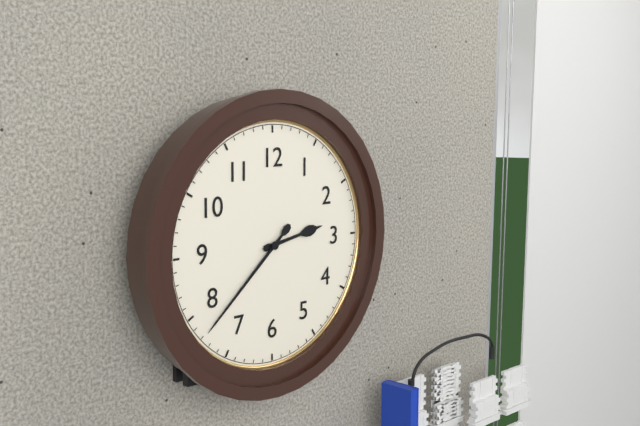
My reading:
h=2 m=38
